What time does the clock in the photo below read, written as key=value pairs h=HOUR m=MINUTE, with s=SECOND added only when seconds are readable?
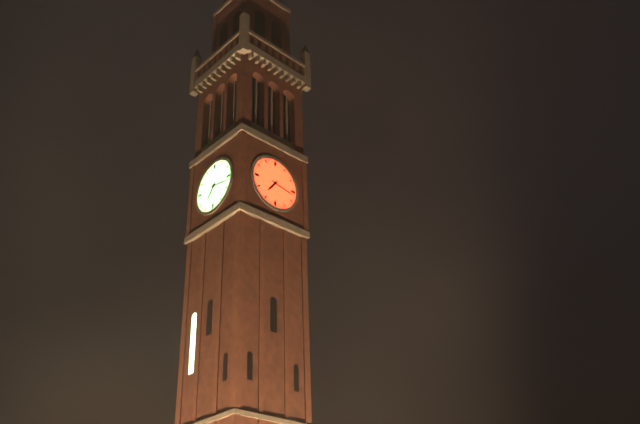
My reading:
h=7 m=17
